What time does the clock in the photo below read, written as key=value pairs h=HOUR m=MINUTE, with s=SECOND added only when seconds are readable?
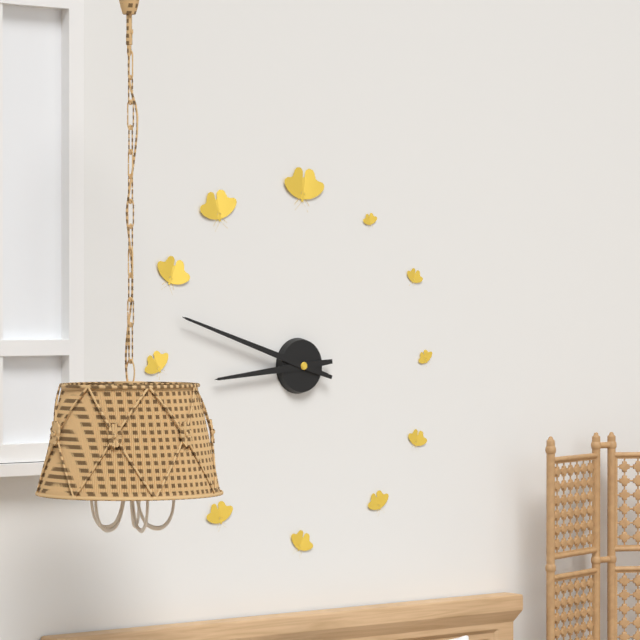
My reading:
h=8 m=48
